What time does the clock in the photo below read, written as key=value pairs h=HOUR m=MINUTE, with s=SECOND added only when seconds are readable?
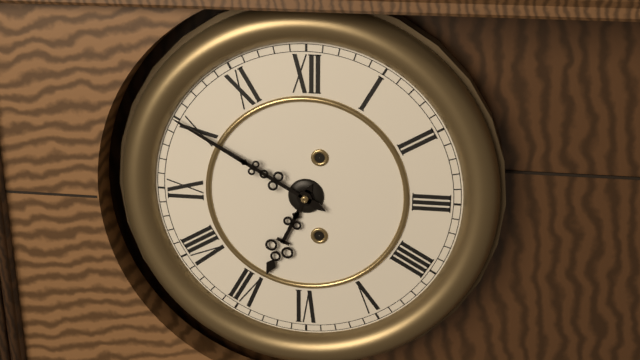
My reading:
h=6 m=50
